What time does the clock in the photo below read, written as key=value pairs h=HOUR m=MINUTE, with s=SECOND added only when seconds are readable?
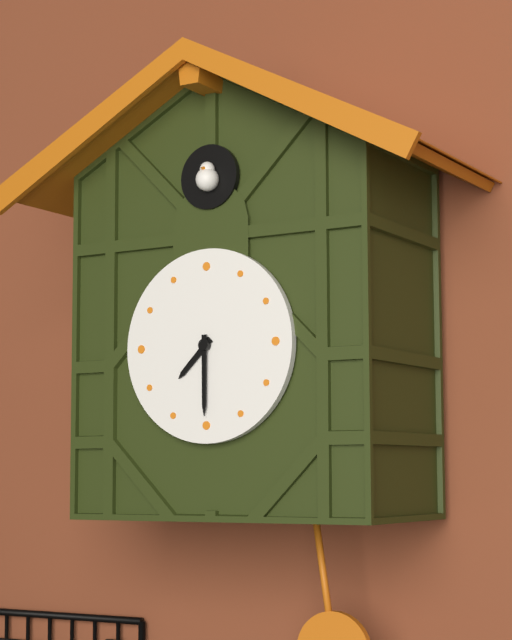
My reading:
h=7 m=30
